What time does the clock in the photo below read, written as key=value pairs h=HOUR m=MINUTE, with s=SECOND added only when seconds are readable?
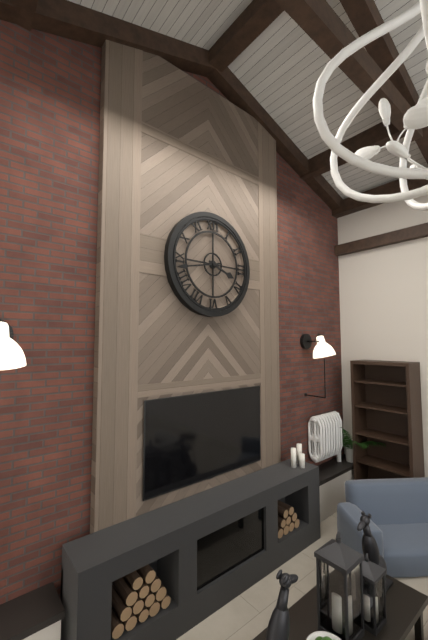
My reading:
h=3 m=43
